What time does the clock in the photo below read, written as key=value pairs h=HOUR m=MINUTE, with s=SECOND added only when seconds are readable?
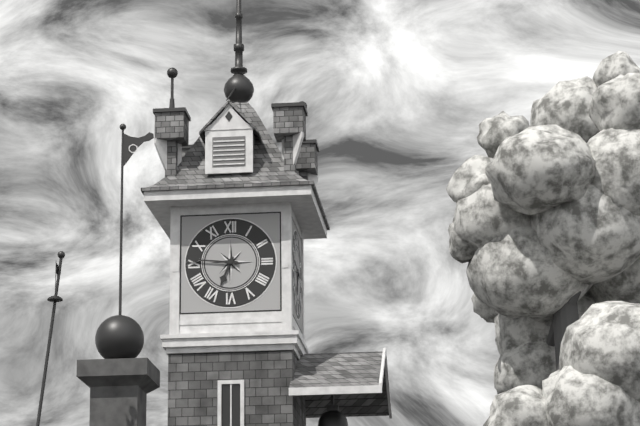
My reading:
h=6 m=46
